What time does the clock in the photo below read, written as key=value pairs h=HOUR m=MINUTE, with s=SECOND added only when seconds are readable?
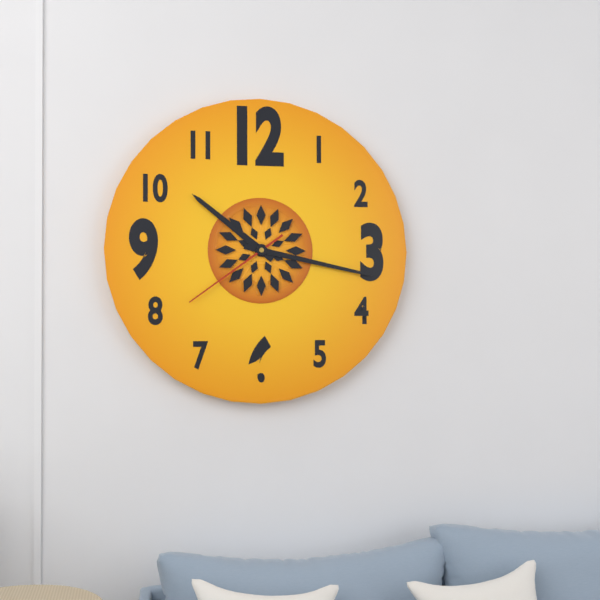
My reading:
h=10 m=17 s=39
